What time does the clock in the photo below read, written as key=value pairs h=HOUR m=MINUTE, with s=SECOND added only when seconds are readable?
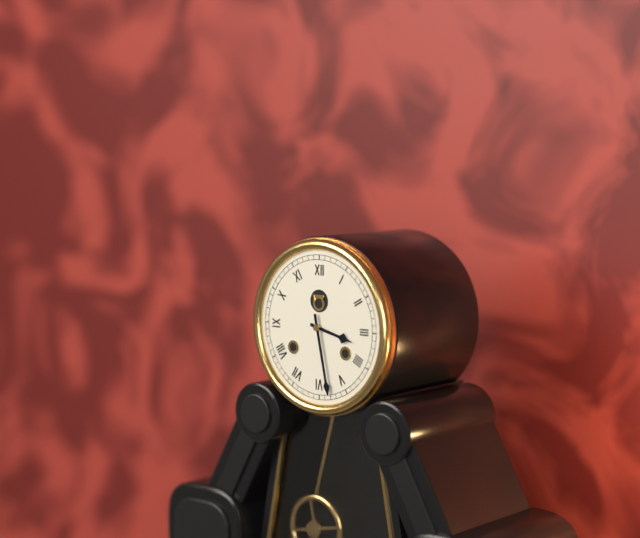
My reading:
h=3 m=28
